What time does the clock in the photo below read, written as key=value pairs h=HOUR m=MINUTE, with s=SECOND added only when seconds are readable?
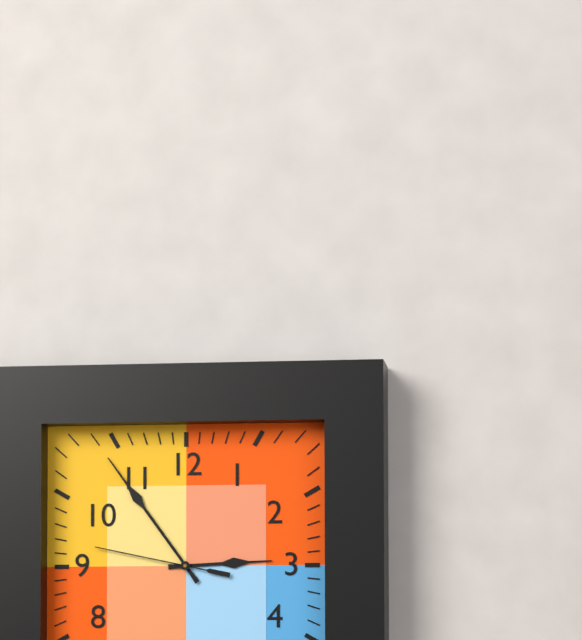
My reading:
h=2 m=54 s=47
